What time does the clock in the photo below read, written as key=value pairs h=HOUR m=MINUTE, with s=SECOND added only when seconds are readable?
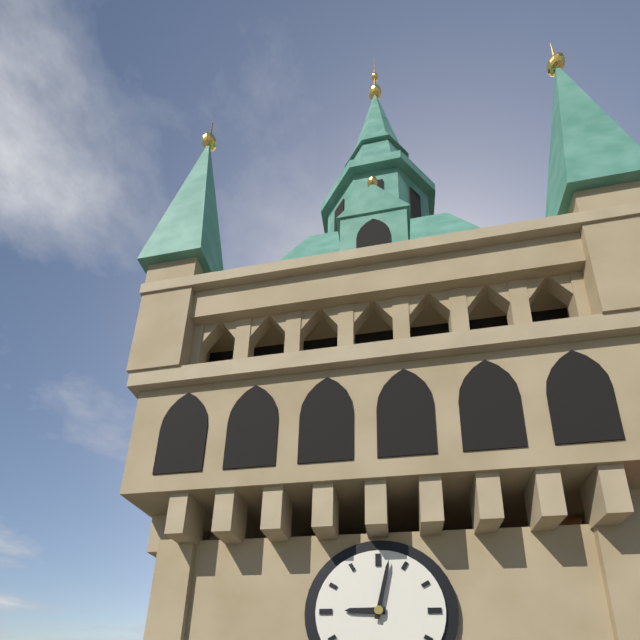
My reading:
h=9 m=2
